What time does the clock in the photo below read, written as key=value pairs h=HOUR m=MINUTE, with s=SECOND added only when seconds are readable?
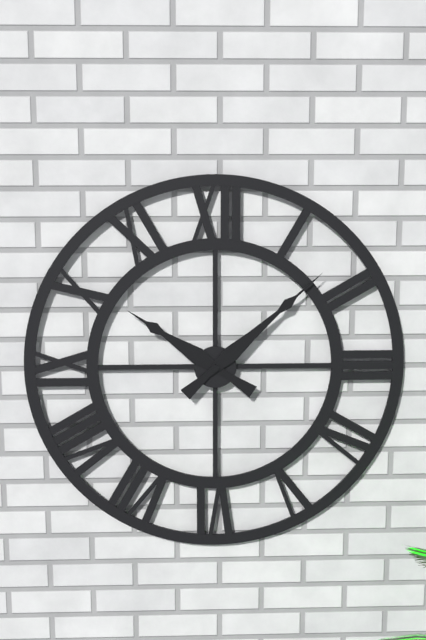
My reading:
h=10 m=8
